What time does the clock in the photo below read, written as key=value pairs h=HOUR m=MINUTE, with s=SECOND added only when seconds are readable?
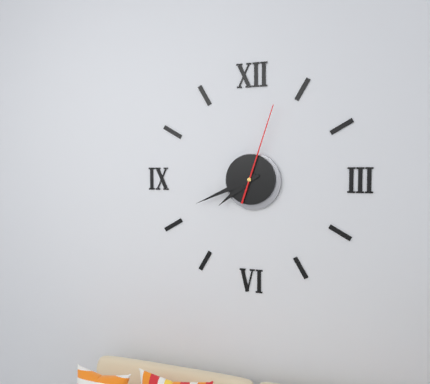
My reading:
h=7 m=41 s=3
